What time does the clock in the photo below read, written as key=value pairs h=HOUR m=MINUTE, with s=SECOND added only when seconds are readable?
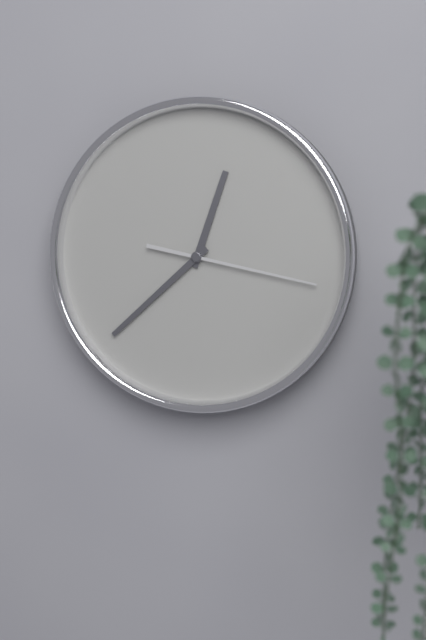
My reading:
h=12 m=38 s=17
